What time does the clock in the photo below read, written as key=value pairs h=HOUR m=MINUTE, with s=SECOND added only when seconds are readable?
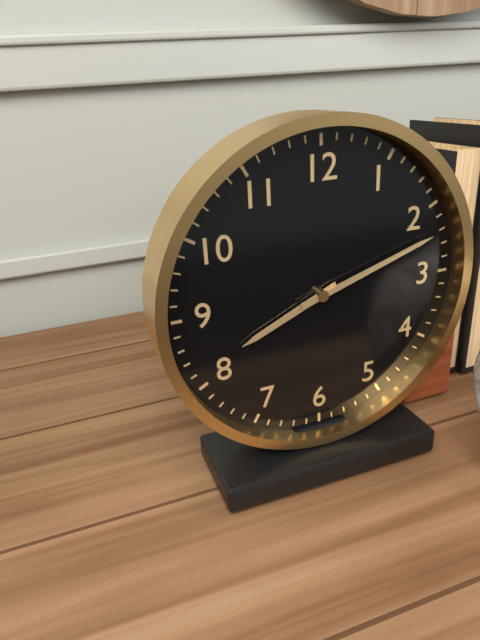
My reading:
h=8 m=12
